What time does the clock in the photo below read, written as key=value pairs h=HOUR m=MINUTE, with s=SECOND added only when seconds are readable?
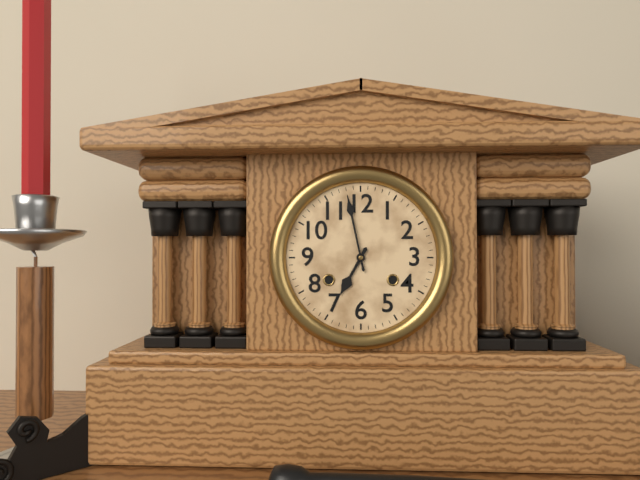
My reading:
h=6 m=58
